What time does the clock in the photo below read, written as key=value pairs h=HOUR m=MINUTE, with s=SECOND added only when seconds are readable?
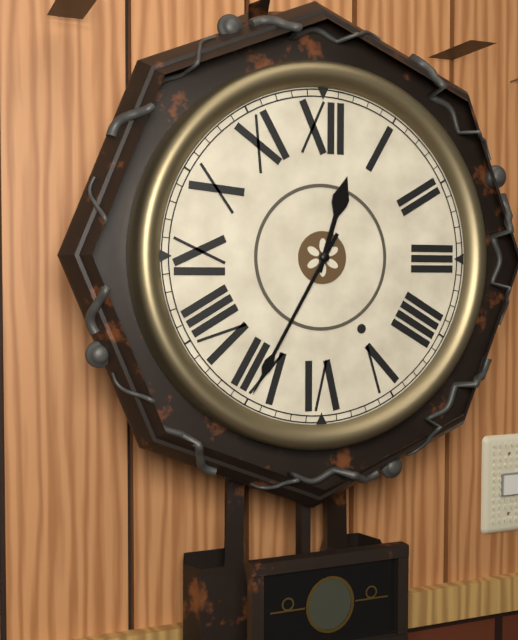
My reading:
h=12 m=35
